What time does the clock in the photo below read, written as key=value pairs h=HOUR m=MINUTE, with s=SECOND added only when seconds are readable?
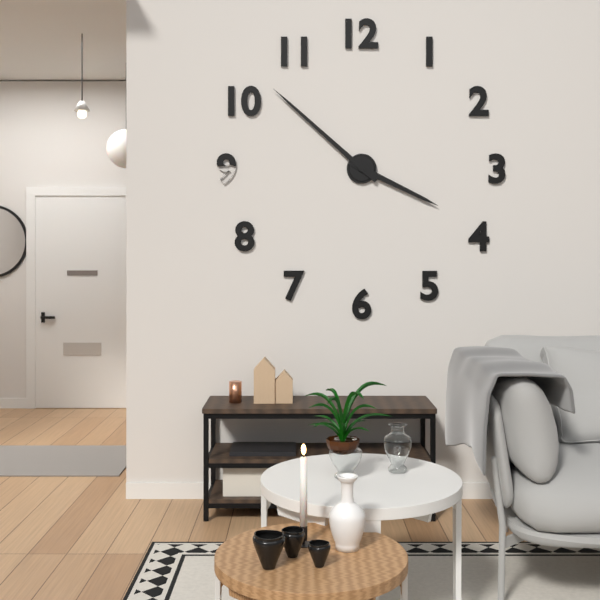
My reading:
h=3 m=52
